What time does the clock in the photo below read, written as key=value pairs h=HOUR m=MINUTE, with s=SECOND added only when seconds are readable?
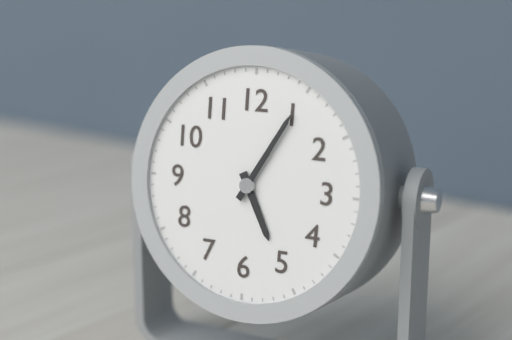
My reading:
h=5 m=5
